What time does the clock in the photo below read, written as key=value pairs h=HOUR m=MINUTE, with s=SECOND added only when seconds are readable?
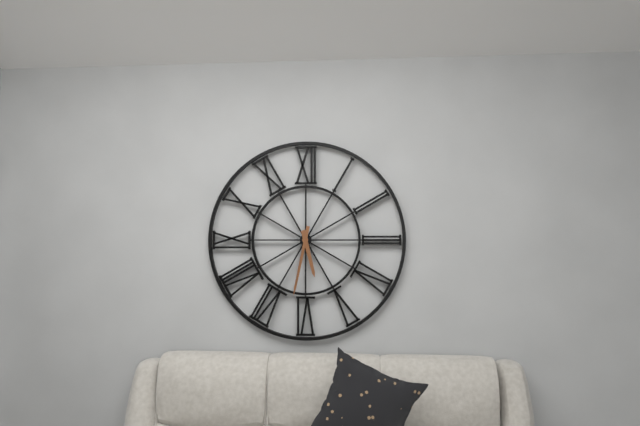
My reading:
h=5 m=32
